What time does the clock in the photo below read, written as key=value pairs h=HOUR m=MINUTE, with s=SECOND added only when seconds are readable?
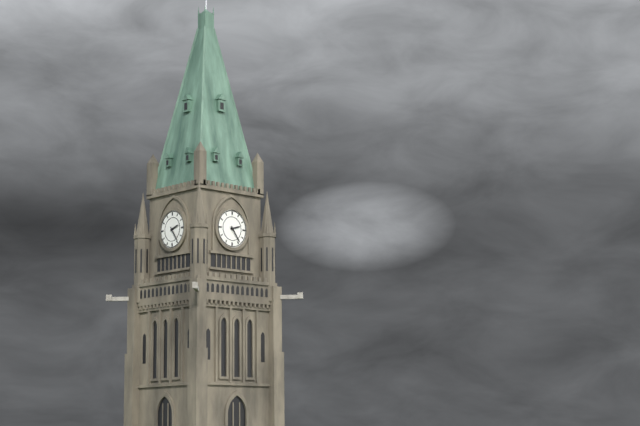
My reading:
h=2 m=24
